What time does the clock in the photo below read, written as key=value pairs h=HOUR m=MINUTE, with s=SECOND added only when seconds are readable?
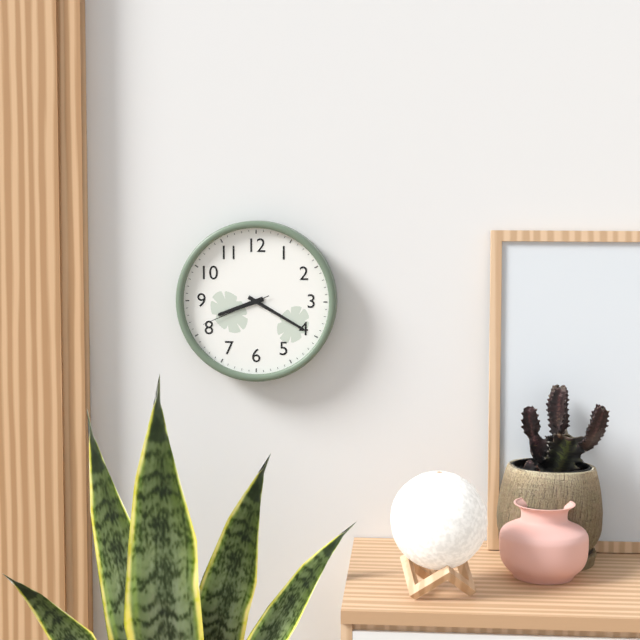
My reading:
h=8 m=20 s=41
